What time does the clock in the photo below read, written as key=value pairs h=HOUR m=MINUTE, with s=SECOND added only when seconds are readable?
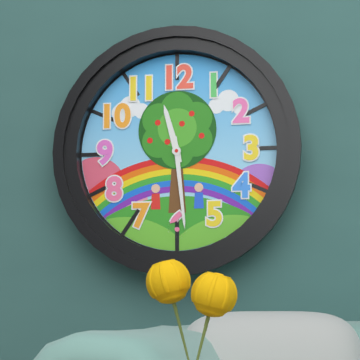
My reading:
h=11 m=29
